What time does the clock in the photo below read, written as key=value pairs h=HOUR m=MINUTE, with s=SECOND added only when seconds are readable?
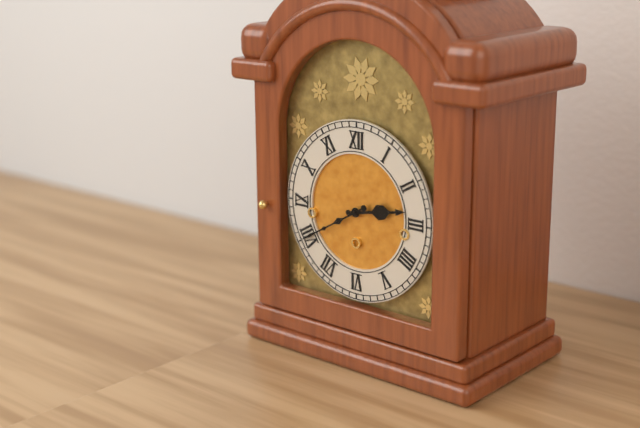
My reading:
h=2 m=40
